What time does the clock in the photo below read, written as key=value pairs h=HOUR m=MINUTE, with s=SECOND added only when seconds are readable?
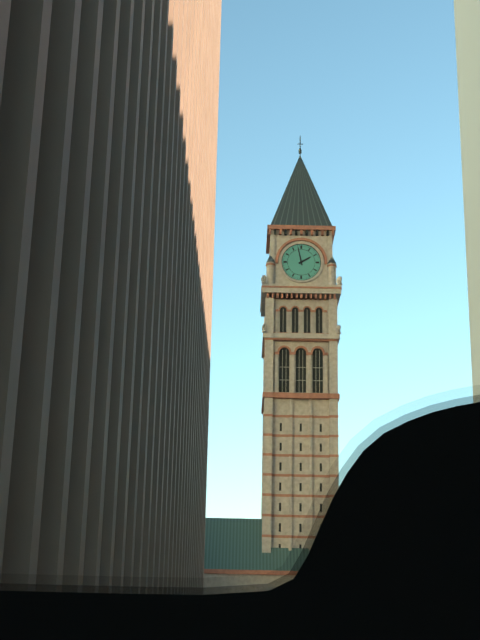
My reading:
h=1 m=58
